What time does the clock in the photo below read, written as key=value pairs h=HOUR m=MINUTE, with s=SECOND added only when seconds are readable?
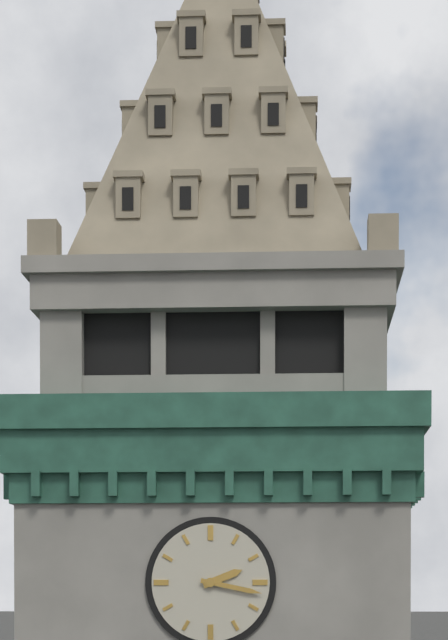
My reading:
h=2 m=17
